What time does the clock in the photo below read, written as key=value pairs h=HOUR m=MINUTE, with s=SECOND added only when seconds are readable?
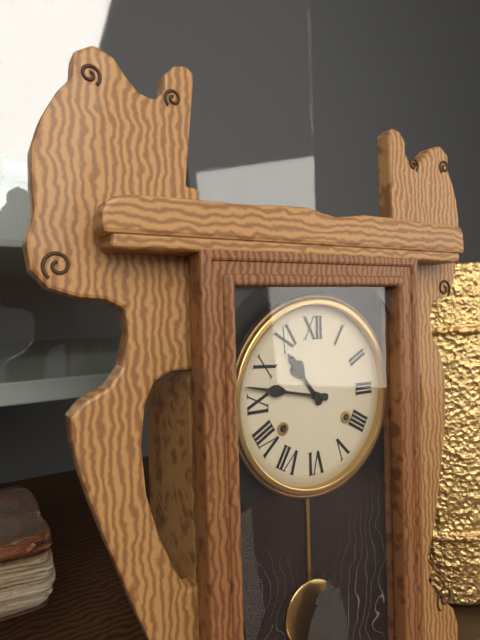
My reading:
h=10 m=47
